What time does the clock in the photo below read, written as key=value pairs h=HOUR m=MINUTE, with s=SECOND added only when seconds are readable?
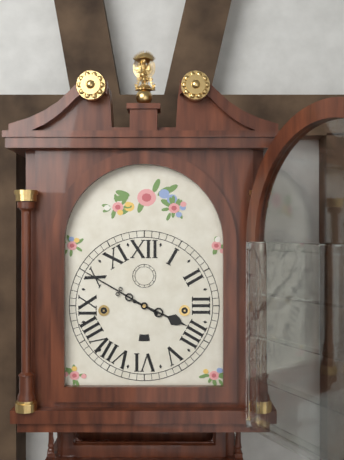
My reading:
h=3 m=50
